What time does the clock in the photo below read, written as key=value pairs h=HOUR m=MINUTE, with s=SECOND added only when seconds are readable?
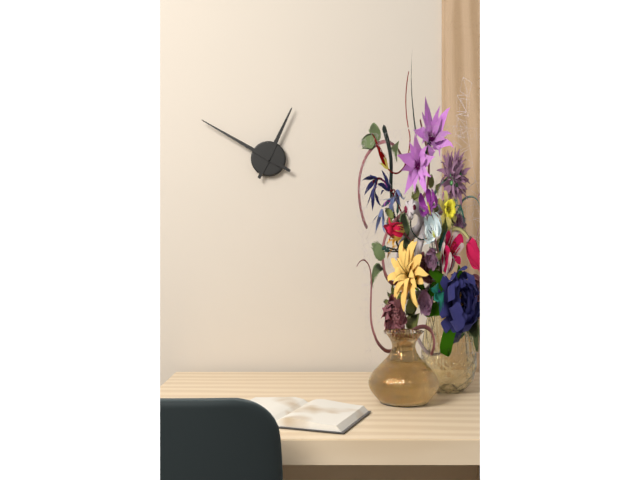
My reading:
h=12 m=50
